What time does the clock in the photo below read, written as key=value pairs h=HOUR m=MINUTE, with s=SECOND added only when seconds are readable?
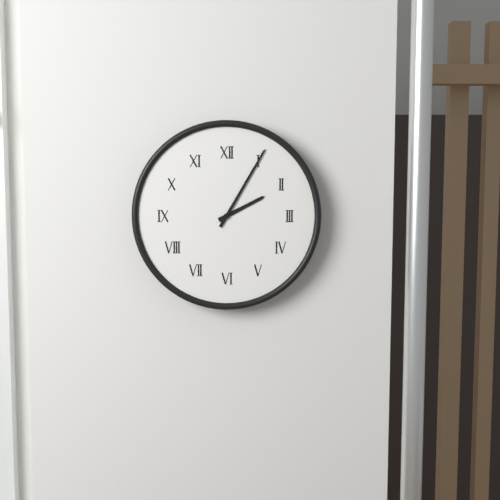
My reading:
h=2 m=5
